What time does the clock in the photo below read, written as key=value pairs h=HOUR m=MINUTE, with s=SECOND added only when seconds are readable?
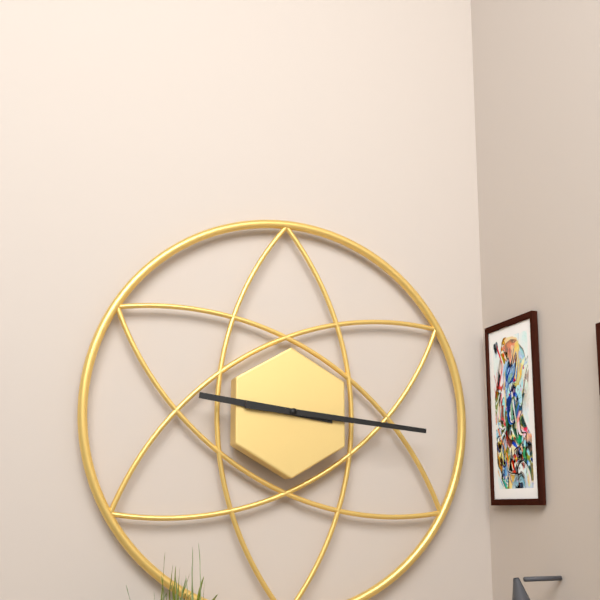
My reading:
h=9 m=16
